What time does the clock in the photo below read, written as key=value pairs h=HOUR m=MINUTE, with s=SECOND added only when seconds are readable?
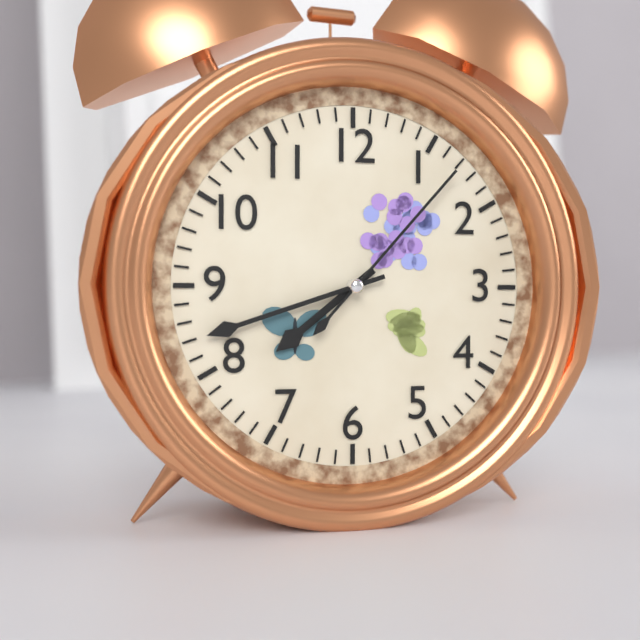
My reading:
h=7 m=42 s=7
